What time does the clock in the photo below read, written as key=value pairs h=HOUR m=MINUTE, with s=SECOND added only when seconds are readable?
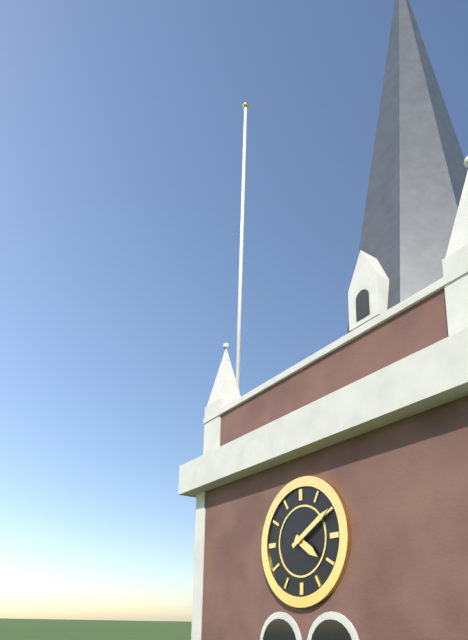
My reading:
h=4 m=10
